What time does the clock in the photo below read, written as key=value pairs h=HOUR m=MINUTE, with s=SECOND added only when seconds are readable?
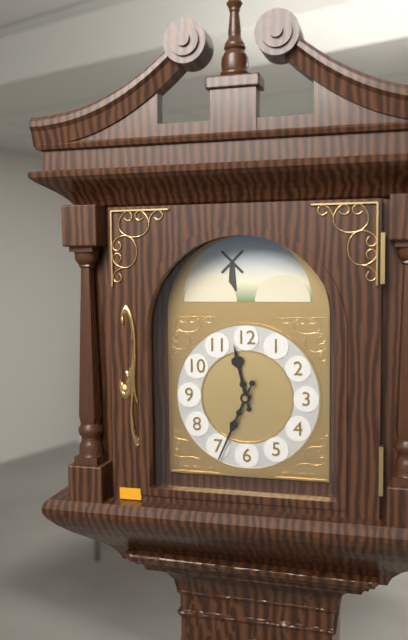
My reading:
h=11 m=34
